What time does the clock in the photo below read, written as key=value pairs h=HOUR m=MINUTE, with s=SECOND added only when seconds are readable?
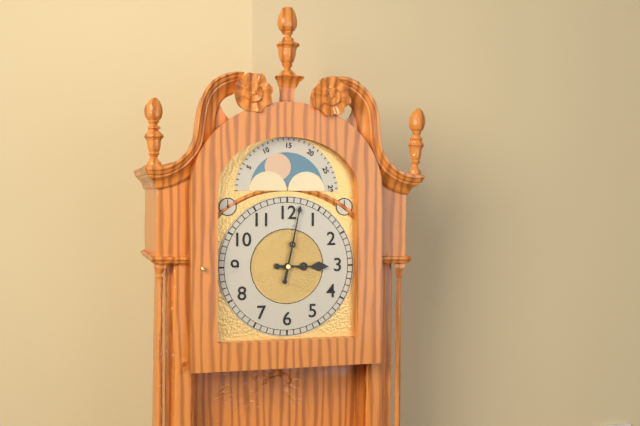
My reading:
h=3 m=2
